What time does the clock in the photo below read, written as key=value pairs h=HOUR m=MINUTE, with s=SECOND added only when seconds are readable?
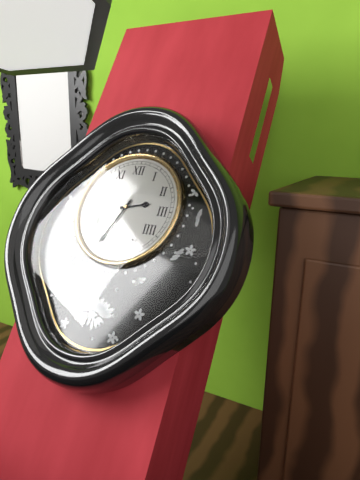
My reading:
h=2 m=34
